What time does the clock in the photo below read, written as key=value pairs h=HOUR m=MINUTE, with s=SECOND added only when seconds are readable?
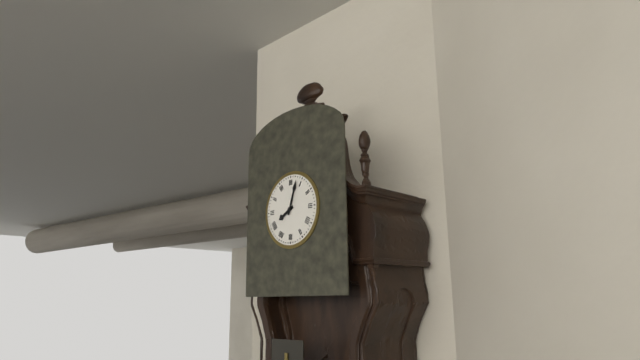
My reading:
h=8 m=3
